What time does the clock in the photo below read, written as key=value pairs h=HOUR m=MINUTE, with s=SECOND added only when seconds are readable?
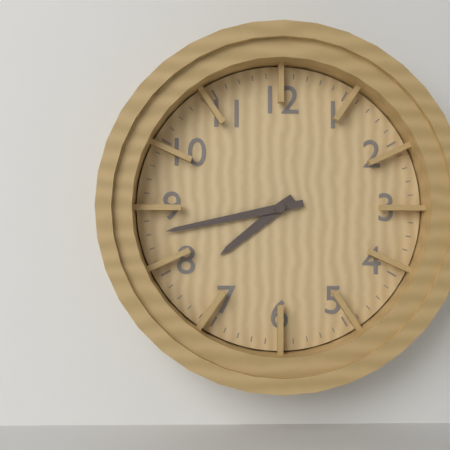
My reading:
h=7 m=43
